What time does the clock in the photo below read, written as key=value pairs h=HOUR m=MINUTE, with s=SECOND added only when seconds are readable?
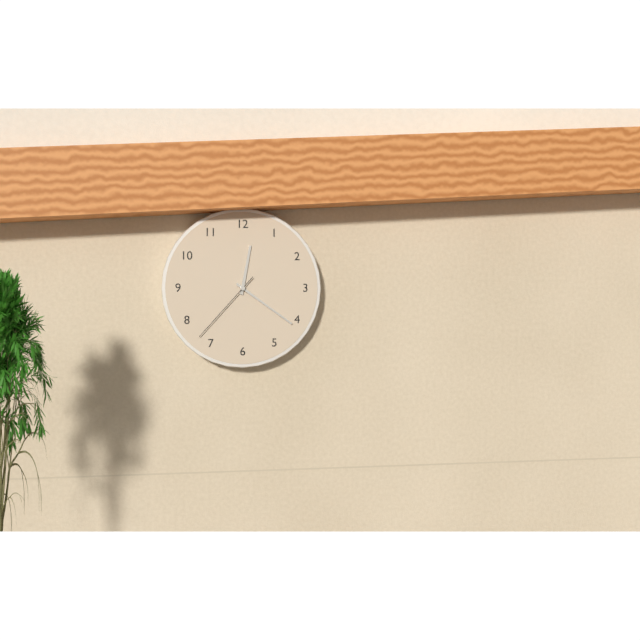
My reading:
h=12 m=21 s=37
